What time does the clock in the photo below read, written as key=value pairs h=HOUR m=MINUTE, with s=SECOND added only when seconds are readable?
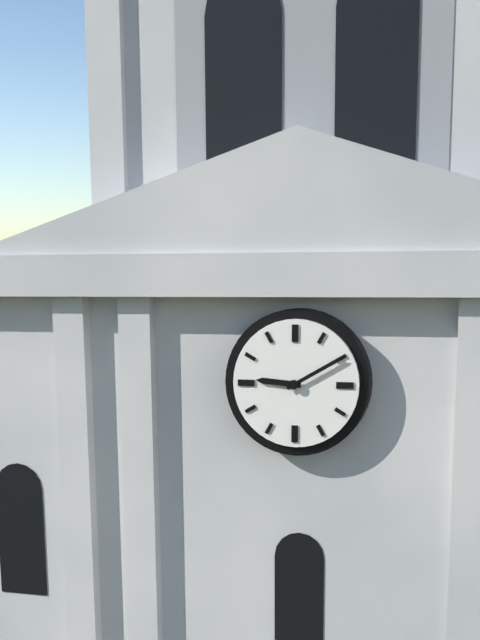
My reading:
h=9 m=10
